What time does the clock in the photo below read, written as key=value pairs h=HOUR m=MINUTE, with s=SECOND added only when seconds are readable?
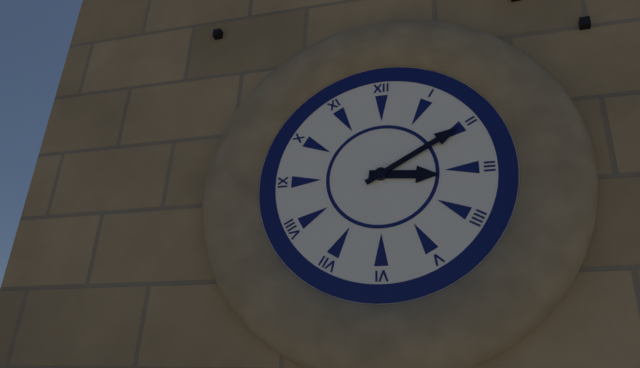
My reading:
h=3 m=10
